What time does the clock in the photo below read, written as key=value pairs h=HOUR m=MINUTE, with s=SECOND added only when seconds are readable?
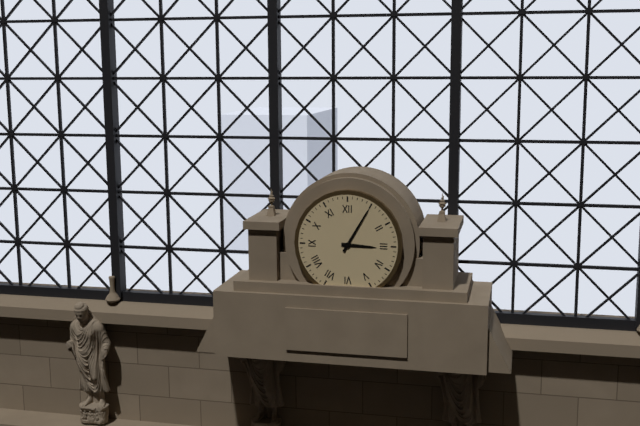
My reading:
h=3 m=5
